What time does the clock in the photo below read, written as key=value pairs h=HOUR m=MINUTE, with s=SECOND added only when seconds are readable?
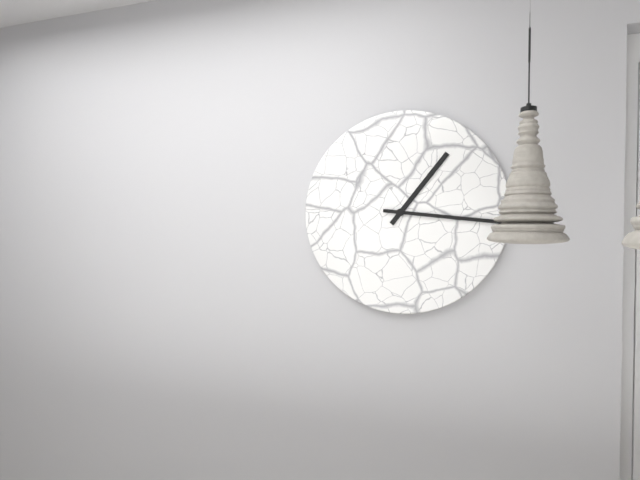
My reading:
h=1 m=16
